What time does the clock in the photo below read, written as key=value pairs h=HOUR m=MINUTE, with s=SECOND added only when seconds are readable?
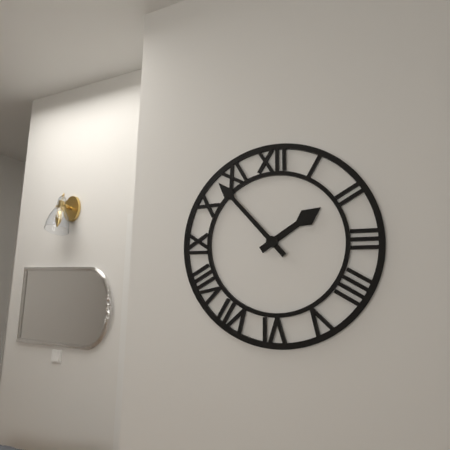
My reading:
h=1 m=53
